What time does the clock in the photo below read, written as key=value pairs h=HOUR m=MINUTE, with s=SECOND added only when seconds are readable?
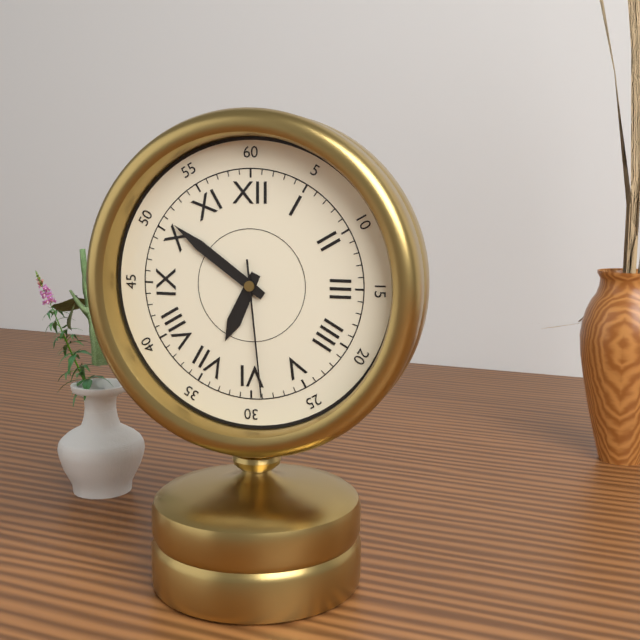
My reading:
h=6 m=51 s=29
